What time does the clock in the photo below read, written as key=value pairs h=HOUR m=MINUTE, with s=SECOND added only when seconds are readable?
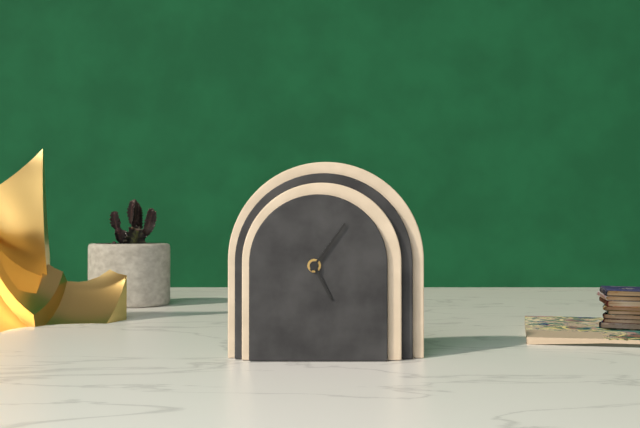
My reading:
h=5 m=6
